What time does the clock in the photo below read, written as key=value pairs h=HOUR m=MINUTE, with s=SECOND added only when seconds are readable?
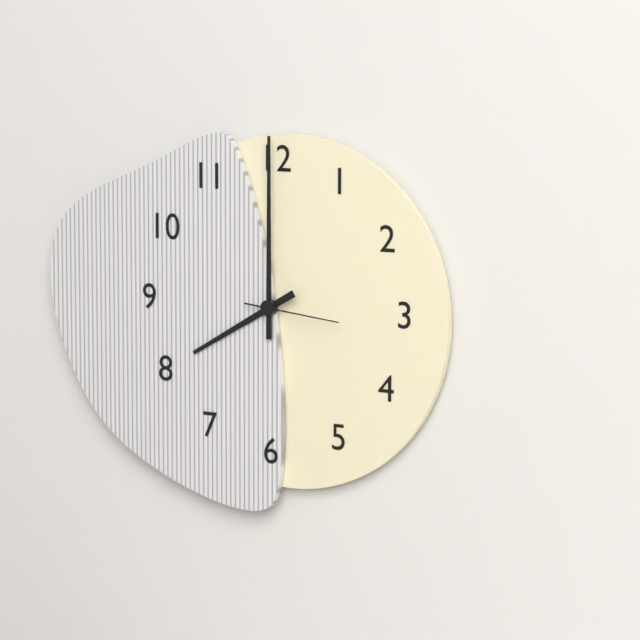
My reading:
h=8 m=0 s=16
